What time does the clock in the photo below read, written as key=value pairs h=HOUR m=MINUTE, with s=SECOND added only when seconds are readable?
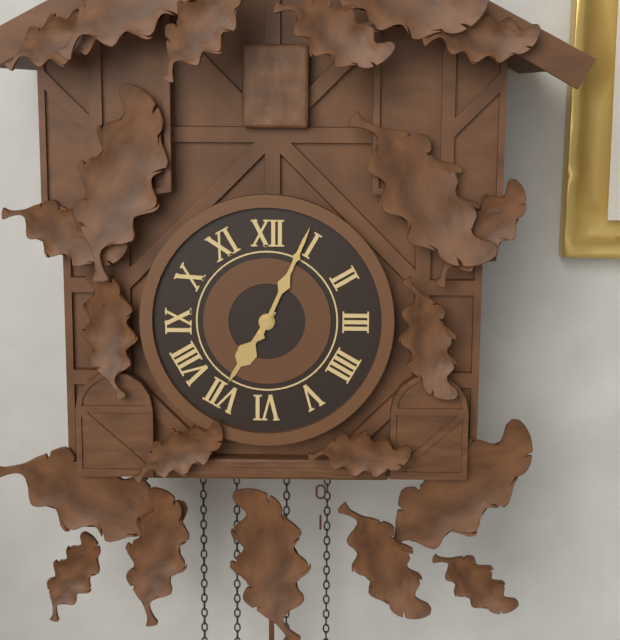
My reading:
h=7 m=4
